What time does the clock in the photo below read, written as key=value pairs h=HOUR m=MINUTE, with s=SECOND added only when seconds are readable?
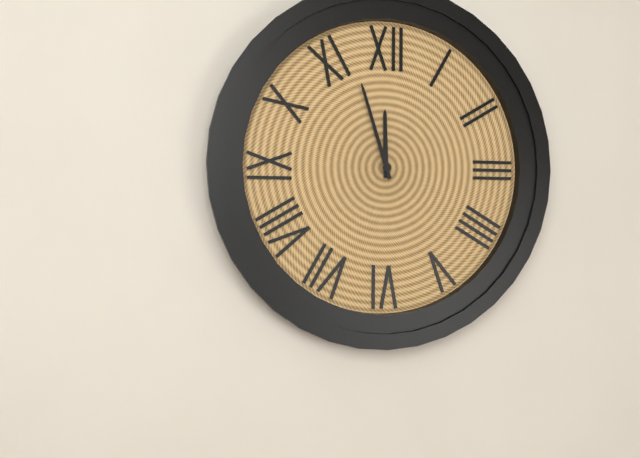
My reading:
h=11 m=57
